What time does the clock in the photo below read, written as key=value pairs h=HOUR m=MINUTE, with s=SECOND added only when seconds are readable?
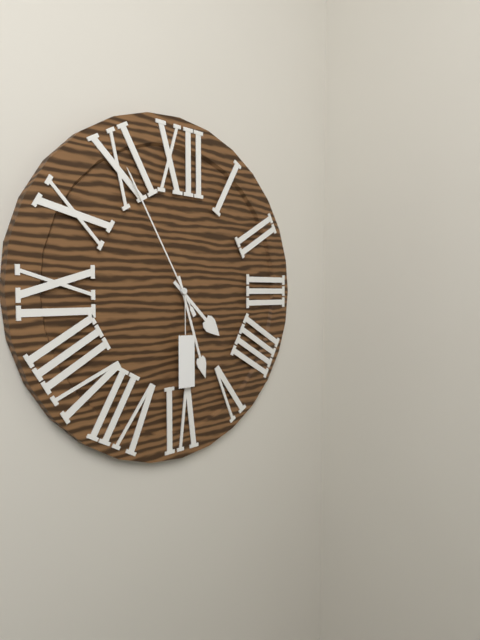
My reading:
h=4 m=27 s=55
